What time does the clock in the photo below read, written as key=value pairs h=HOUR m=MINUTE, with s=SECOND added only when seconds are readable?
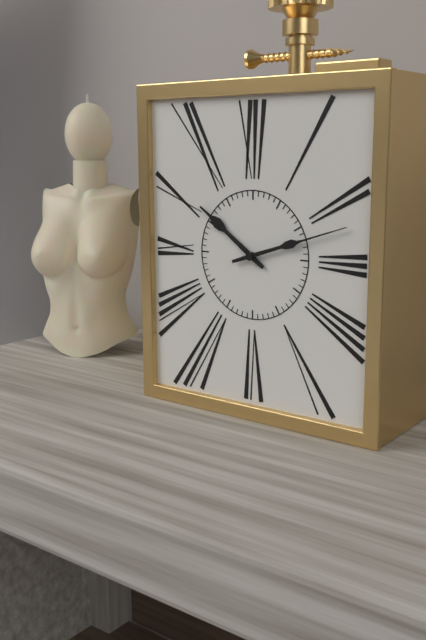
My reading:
h=10 m=12
